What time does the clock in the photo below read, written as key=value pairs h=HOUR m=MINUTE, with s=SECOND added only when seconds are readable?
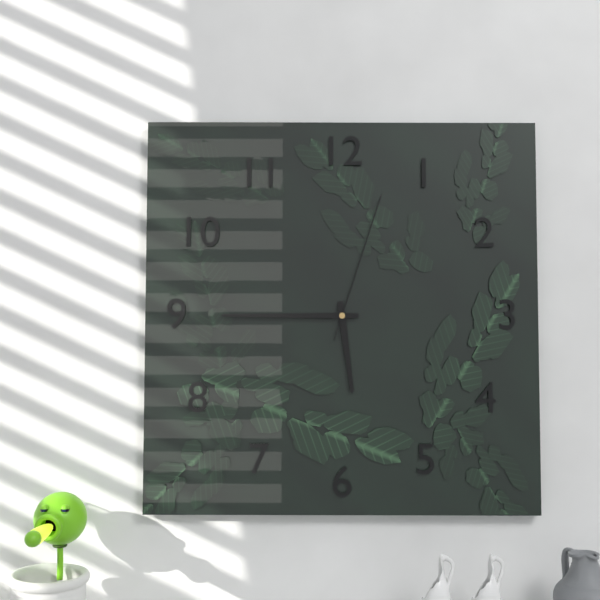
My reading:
h=5 m=45 s=3
